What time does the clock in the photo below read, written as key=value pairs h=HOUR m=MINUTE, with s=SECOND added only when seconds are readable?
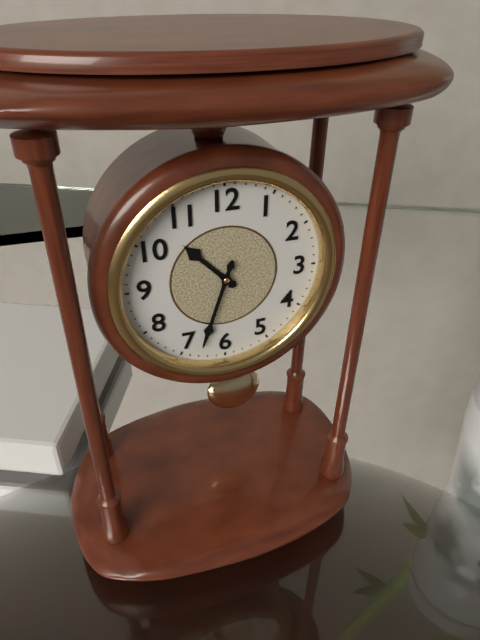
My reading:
h=10 m=33
